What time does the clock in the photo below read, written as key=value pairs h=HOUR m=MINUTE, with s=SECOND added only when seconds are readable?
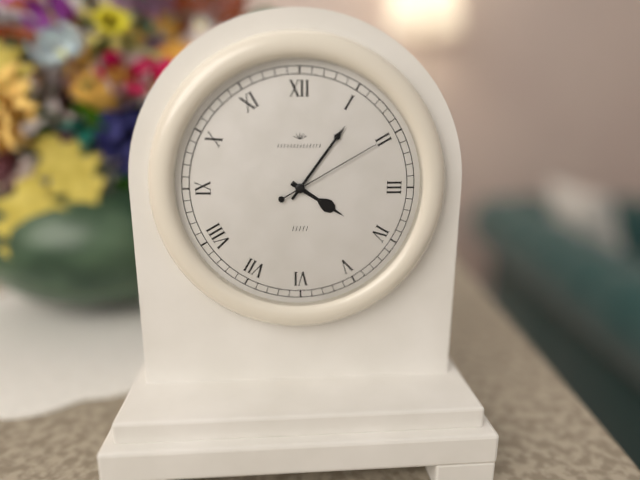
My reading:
h=4 m=6 s=10
